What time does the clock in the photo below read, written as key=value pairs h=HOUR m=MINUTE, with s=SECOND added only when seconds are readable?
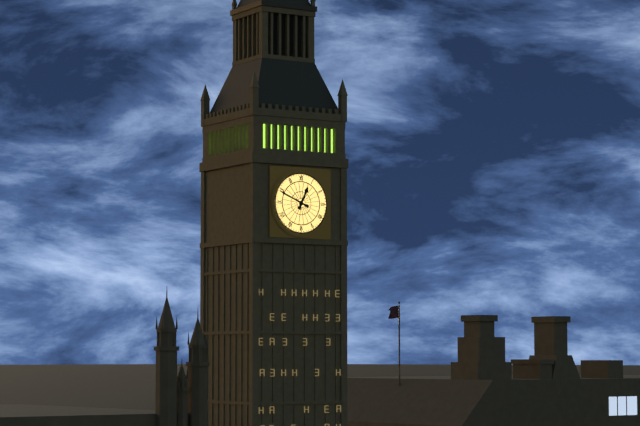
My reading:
h=12 m=49
